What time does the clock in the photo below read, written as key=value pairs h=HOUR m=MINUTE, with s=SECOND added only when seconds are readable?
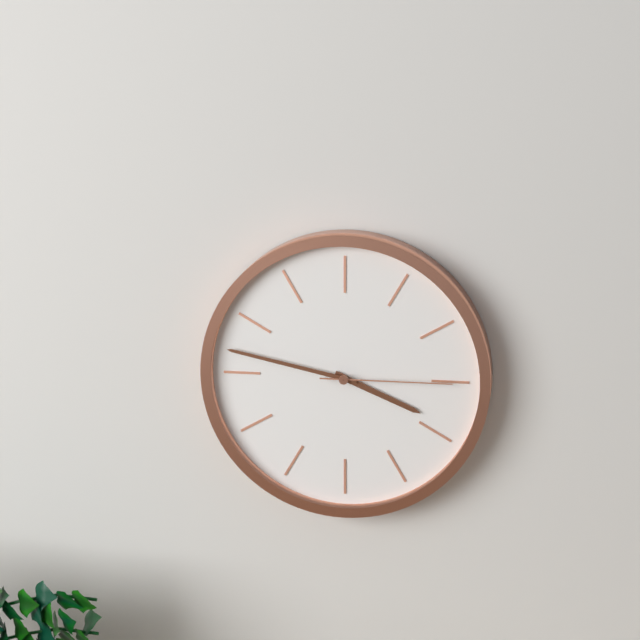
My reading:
h=3 m=47 s=15
